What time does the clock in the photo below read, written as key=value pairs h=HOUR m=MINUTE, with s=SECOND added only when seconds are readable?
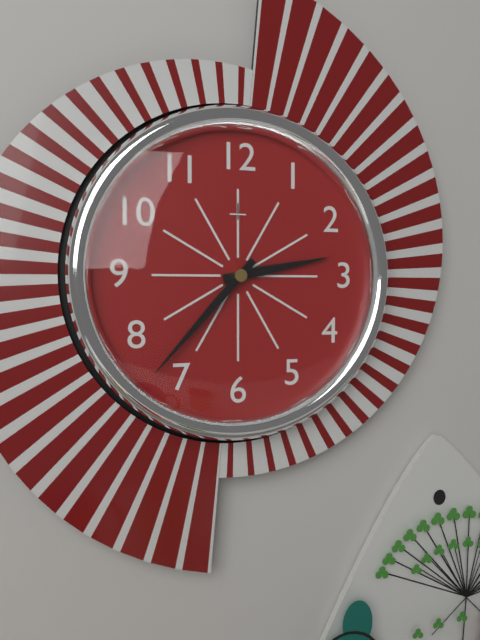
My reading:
h=2 m=37
